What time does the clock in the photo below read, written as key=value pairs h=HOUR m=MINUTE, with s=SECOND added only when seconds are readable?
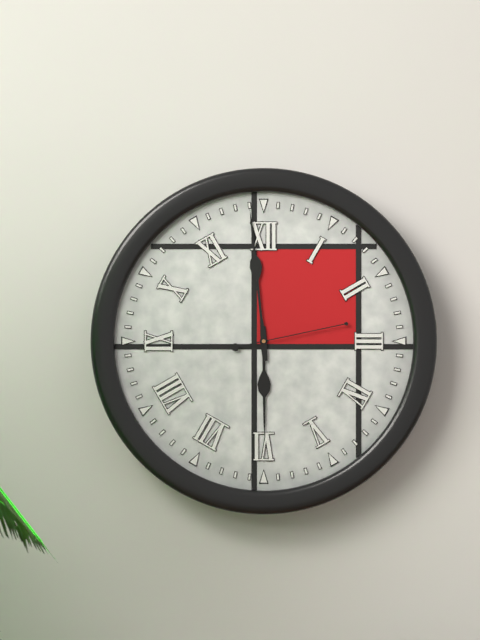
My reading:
h=5 m=59 s=13
